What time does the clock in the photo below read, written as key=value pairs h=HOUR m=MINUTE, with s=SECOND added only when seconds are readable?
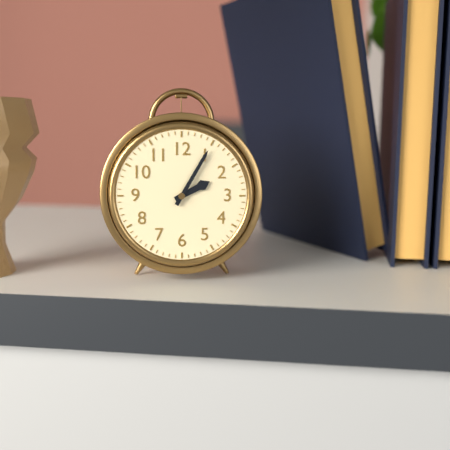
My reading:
h=2 m=5
